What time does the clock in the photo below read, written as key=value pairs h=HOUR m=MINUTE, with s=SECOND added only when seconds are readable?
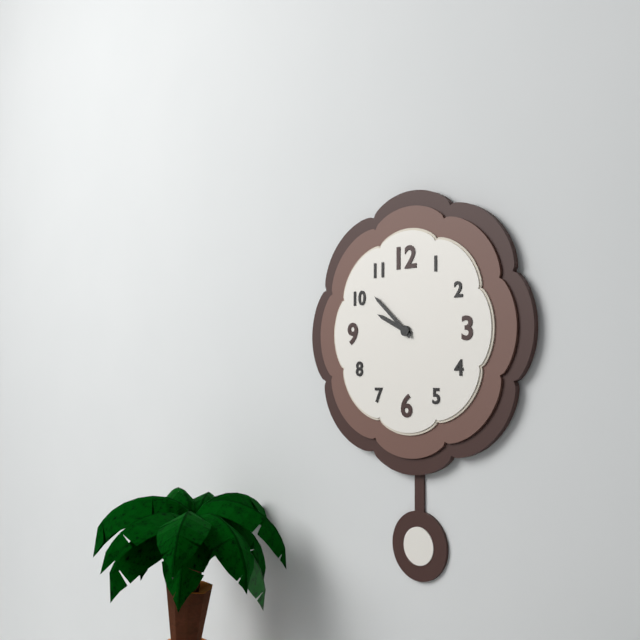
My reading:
h=9 m=52
